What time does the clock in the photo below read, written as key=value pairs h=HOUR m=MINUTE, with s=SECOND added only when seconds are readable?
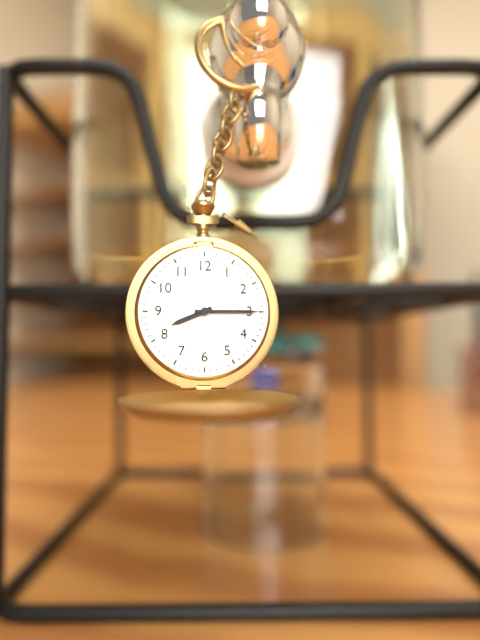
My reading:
h=8 m=15
